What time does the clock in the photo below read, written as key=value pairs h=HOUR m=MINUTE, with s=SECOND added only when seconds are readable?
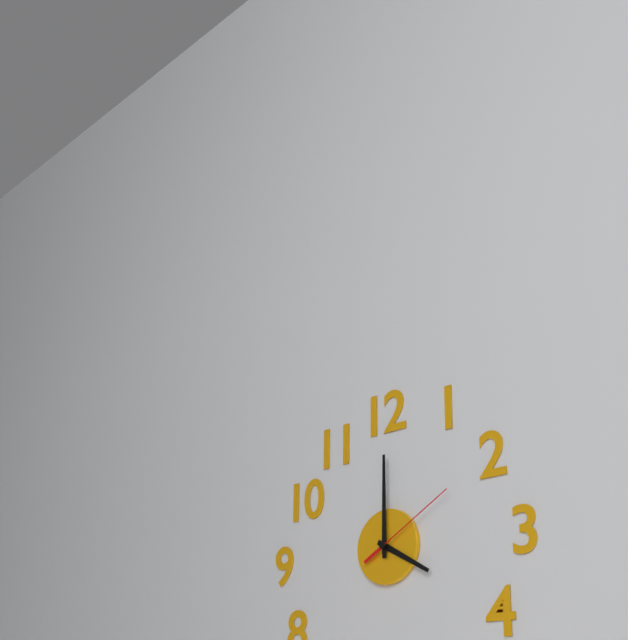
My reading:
h=4 m=0 s=10
